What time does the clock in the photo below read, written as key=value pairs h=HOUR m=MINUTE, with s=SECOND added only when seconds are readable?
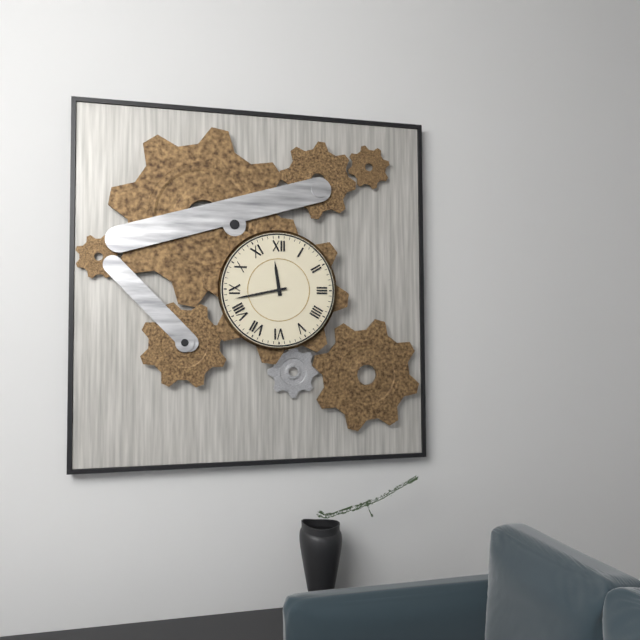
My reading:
h=11 m=43
